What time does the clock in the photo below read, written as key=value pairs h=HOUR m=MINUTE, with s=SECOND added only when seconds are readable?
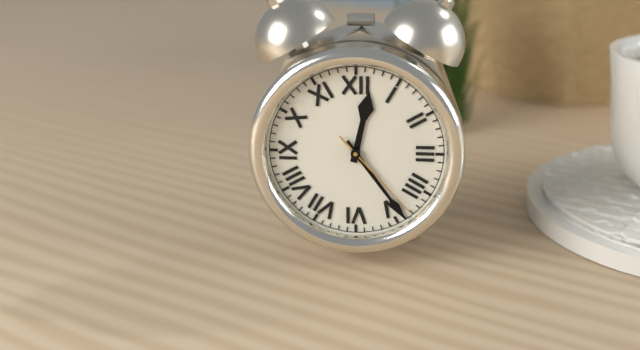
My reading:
h=12 m=24 s=23
